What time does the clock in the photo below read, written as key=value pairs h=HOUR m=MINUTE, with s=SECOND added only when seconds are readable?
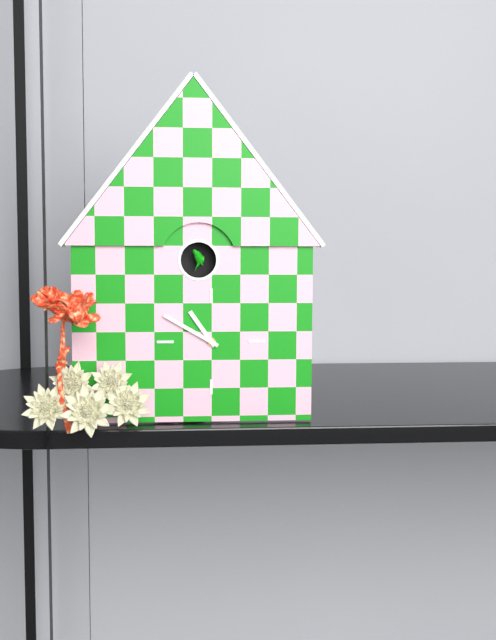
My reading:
h=10 m=50
